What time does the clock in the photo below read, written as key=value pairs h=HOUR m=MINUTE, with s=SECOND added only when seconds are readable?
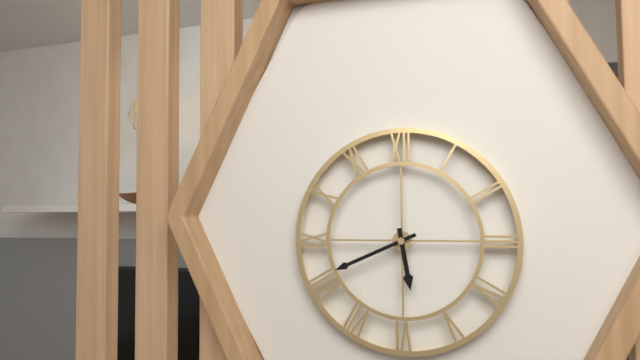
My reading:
h=5 m=41
